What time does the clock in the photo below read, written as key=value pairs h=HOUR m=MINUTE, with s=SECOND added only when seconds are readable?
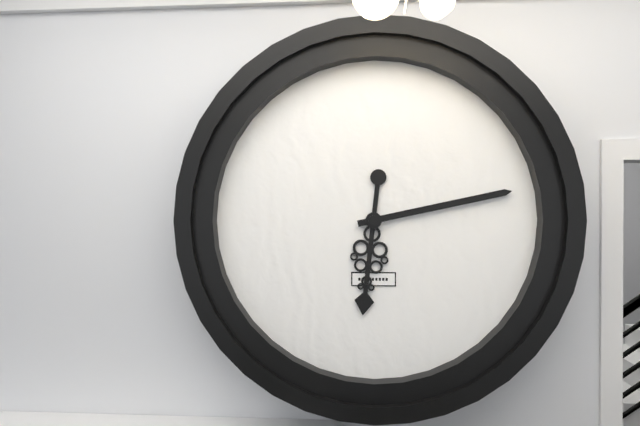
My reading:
h=6 m=13
